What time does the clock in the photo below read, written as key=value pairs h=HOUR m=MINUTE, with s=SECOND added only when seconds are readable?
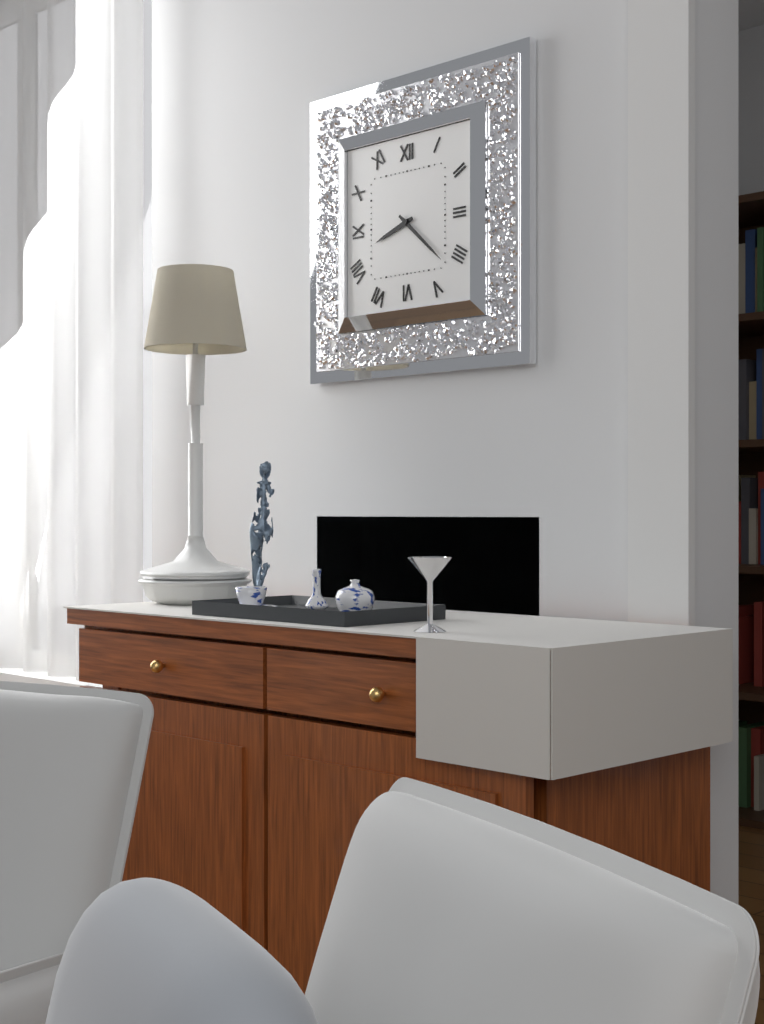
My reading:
h=8 m=22
